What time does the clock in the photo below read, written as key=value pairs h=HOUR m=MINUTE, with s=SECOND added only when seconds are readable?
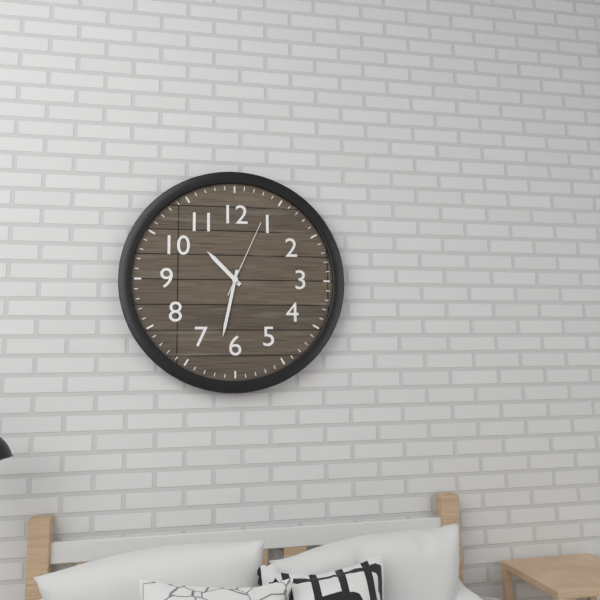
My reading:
h=10 m=32 s=4
